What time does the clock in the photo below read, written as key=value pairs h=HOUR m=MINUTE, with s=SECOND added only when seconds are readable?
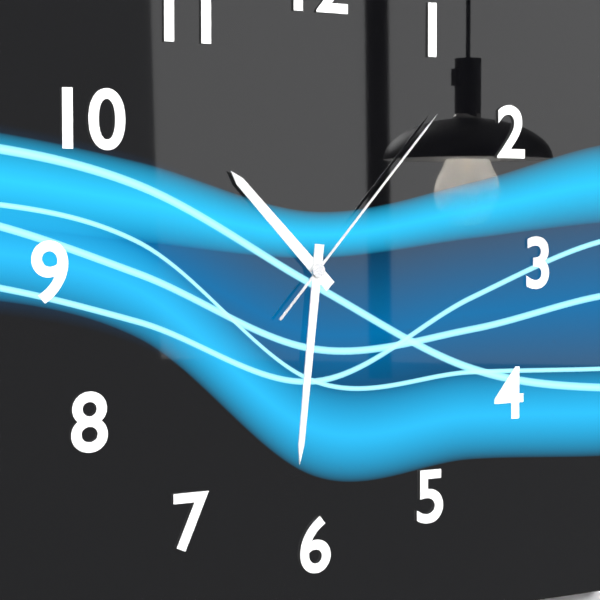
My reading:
h=10 m=31 s=7
